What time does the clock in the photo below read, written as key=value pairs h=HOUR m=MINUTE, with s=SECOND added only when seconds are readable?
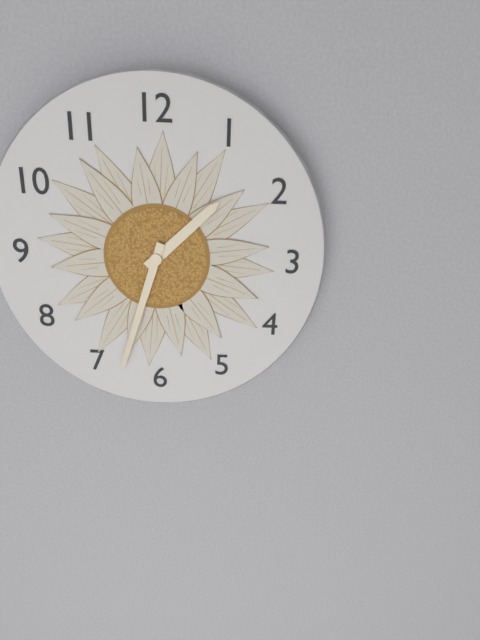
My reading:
h=1 m=33
